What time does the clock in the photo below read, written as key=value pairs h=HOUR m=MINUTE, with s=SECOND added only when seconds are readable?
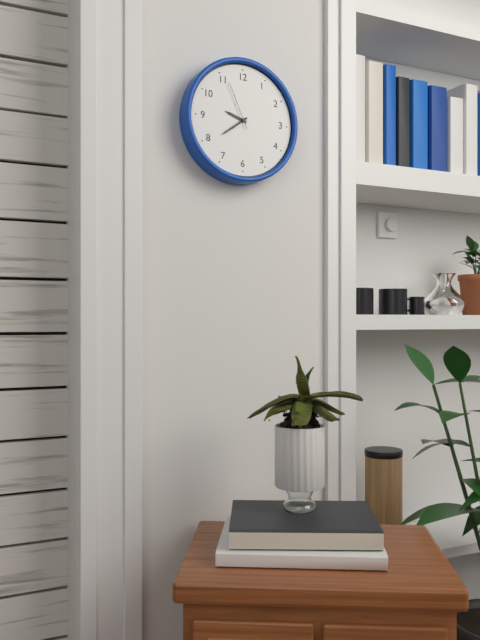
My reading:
h=9 m=39 s=56
